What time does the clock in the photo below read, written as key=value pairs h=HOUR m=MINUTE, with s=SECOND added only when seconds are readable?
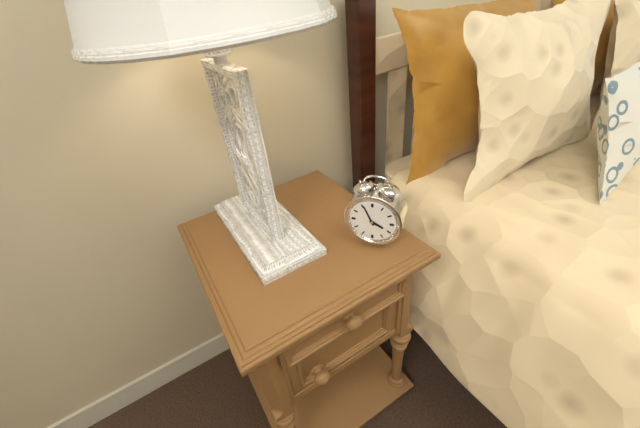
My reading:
h=3 m=56
